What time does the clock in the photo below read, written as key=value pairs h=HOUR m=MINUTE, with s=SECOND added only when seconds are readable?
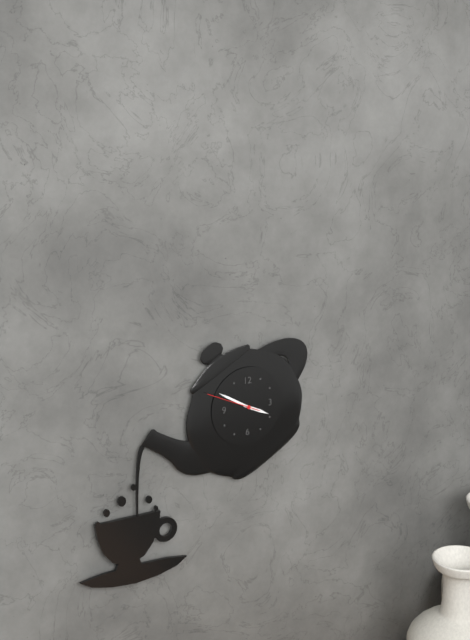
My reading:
h=3 m=50 s=49
